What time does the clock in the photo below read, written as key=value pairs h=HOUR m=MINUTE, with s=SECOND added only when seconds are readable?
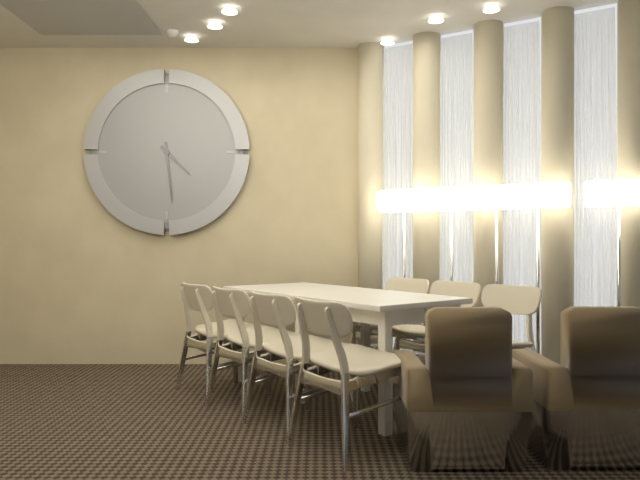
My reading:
h=4 m=29
